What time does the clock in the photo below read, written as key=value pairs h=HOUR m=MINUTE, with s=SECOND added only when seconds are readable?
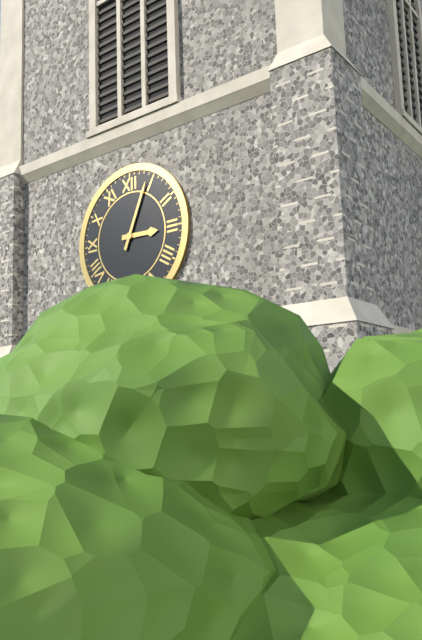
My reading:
h=3 m=4
